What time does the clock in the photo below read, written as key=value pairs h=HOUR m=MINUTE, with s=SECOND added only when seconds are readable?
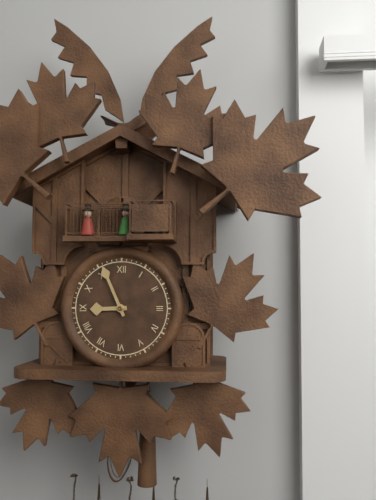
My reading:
h=8 m=56
